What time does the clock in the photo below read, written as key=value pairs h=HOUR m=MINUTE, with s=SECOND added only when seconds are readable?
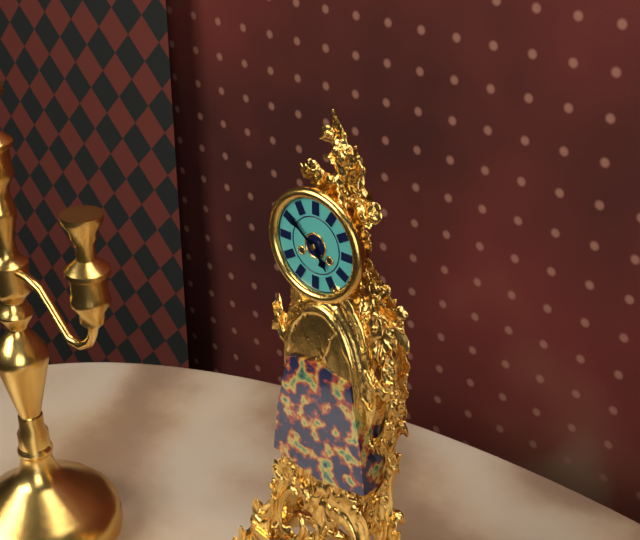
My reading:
h=4 m=51
